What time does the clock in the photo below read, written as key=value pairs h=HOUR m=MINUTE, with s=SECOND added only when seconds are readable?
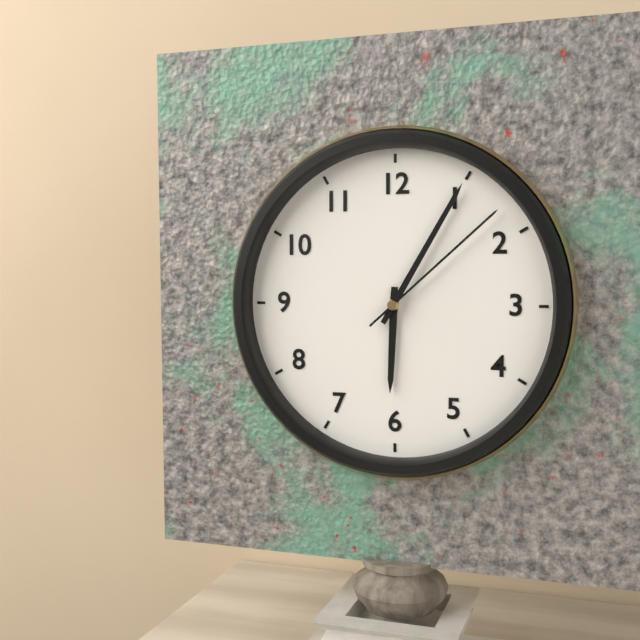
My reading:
h=6 m=5 s=8
